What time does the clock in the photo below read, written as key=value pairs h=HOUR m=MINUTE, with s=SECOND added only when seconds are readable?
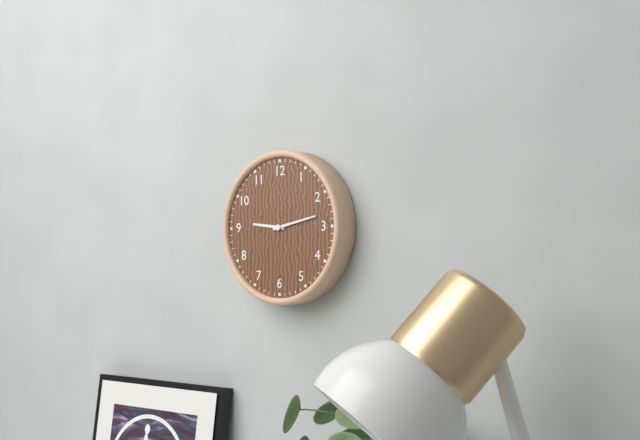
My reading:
h=9 m=13
